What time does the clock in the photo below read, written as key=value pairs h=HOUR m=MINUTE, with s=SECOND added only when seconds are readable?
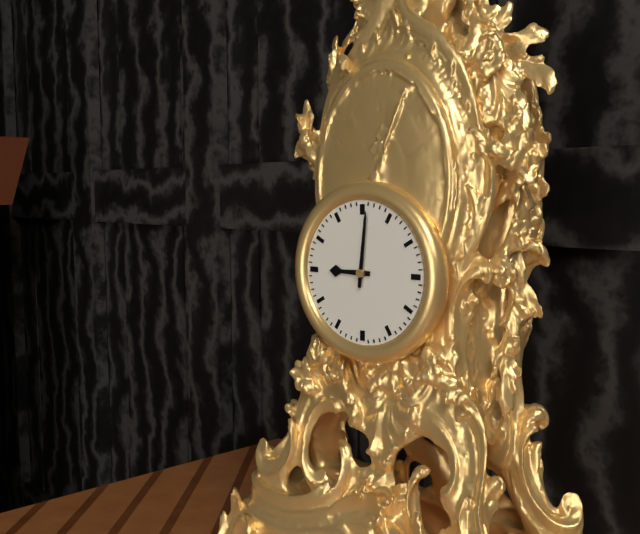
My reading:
h=9 m=1
